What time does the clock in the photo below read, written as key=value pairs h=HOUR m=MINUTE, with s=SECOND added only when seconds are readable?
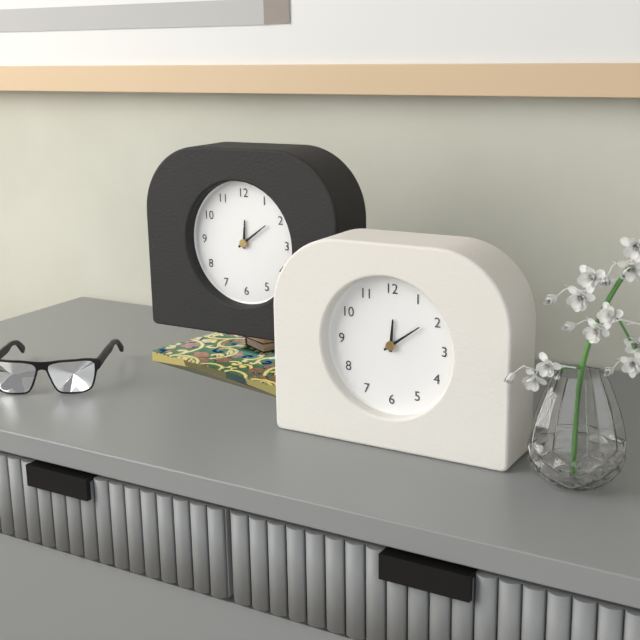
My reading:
h=12 m=9
